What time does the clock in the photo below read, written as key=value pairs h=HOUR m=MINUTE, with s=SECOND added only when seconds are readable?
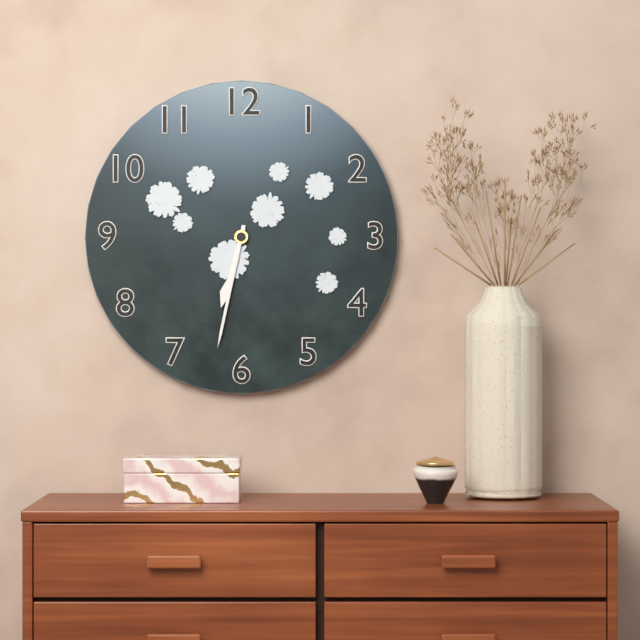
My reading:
h=6 m=32
